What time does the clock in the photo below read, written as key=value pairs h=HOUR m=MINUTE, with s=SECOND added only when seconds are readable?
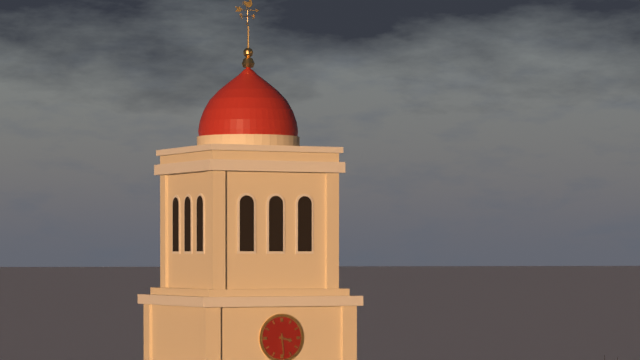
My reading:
h=3 m=29
